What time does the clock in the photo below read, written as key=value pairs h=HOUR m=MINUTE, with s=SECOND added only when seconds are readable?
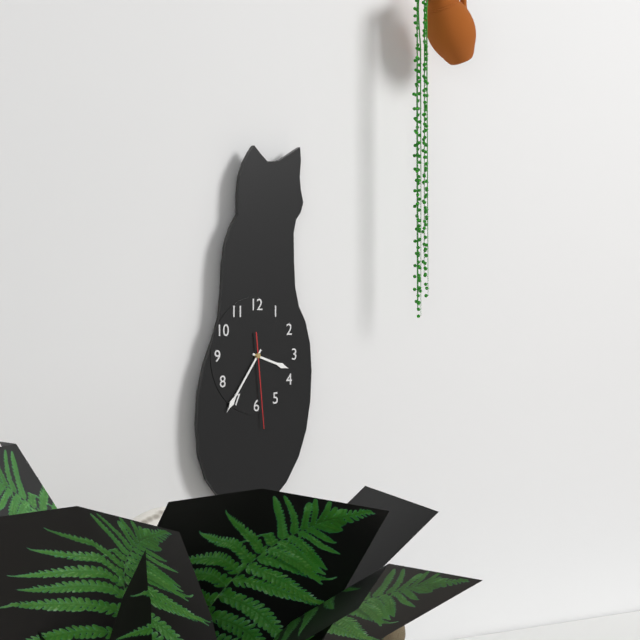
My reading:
h=3 m=36 s=29
